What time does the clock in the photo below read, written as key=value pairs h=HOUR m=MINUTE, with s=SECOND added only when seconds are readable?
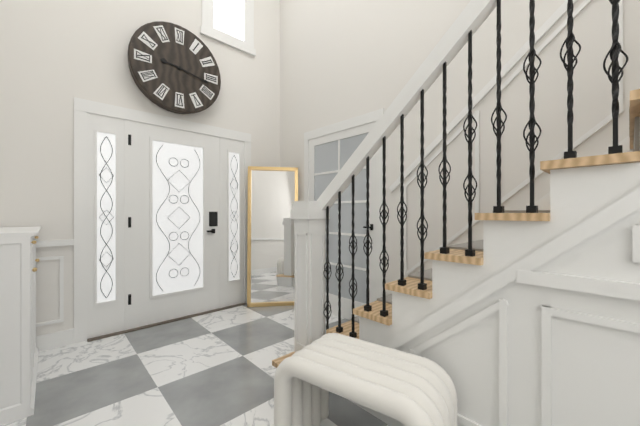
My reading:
h=9 m=17
